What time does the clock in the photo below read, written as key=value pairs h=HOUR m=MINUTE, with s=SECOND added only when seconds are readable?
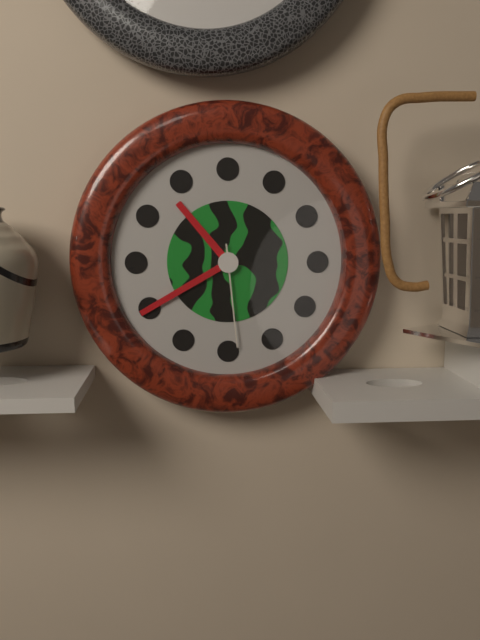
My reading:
h=10 m=40 s=29
